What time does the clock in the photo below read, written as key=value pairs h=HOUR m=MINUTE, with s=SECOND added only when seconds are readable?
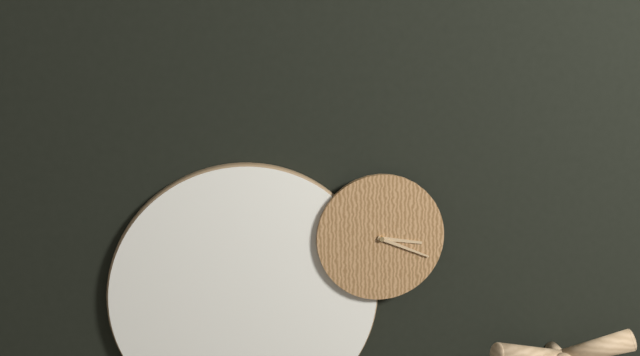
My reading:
h=3 m=19
